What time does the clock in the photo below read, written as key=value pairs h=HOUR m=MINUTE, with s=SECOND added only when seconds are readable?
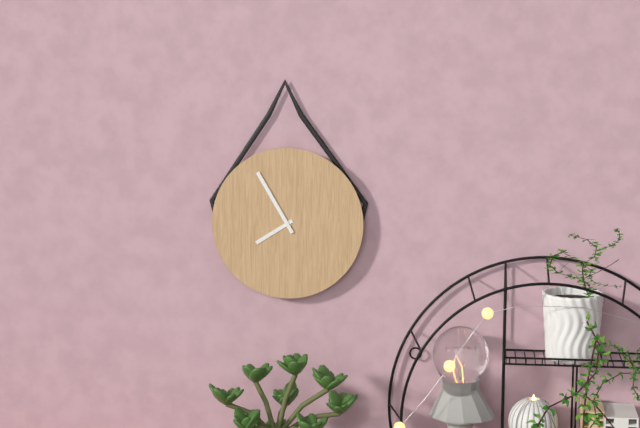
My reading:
h=7 m=55
